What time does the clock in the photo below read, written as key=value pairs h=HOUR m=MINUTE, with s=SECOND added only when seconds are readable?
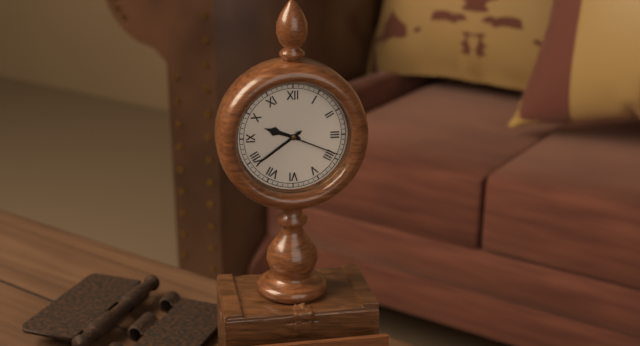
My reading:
h=9 m=39 s=19
